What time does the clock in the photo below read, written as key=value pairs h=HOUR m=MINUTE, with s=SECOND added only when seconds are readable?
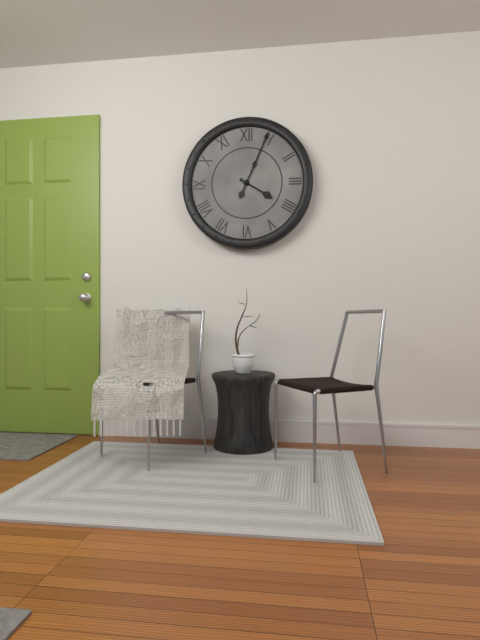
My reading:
h=4 m=4
